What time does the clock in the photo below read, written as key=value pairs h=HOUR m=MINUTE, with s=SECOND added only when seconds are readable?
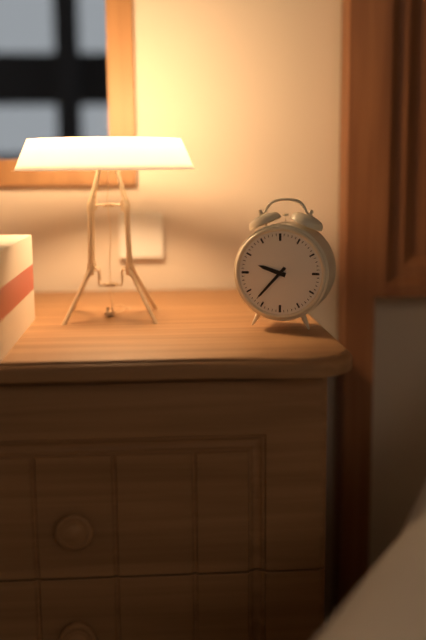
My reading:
h=9 m=37
